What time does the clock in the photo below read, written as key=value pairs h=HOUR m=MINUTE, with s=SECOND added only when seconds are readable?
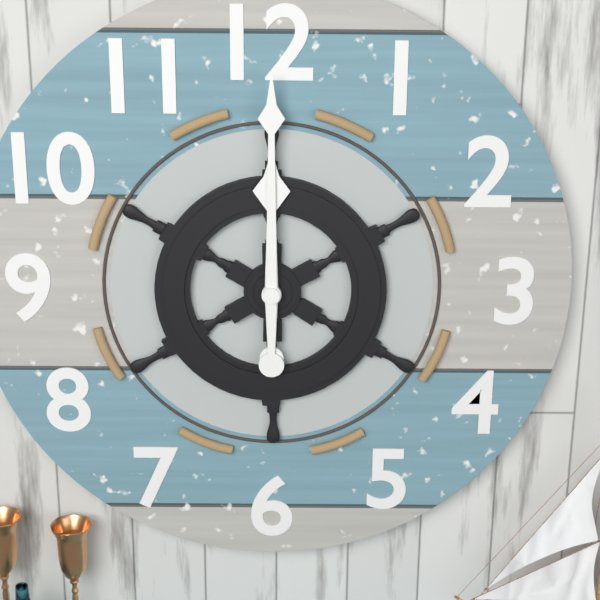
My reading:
h=12 m=0
